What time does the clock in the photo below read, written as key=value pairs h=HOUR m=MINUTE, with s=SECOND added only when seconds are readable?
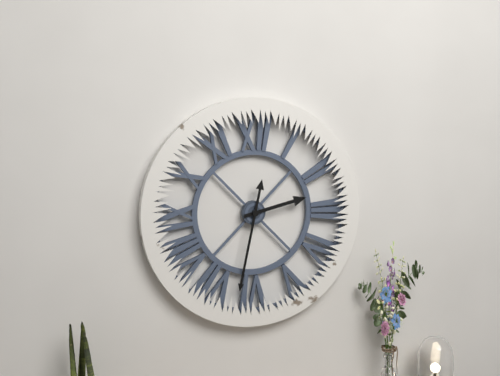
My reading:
h=2 m=32
